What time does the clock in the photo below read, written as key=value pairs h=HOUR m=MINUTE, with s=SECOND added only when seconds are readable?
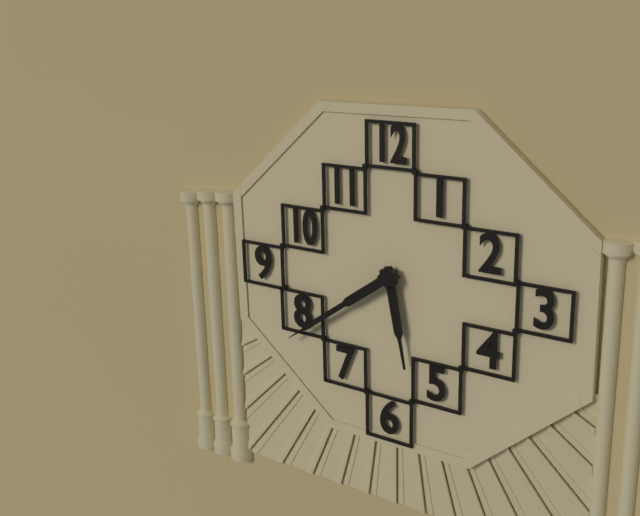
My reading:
h=5 m=39
